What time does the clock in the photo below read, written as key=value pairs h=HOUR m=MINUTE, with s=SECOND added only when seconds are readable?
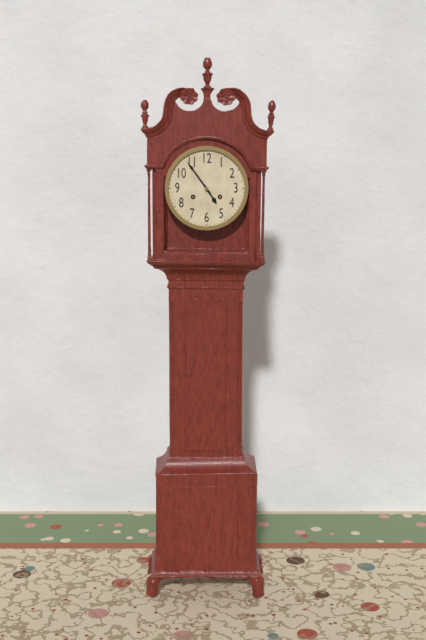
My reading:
h=4 m=54
